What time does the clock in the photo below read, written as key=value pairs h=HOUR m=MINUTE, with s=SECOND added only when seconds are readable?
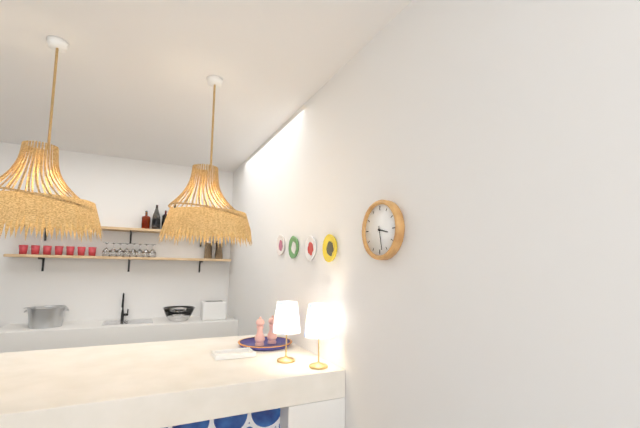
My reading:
h=3 m=28
